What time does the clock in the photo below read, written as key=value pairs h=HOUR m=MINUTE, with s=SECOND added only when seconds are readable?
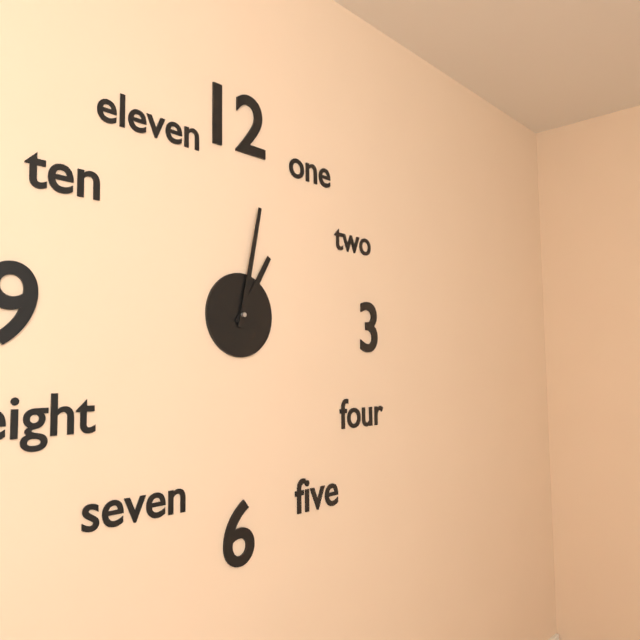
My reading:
h=1 m=2
